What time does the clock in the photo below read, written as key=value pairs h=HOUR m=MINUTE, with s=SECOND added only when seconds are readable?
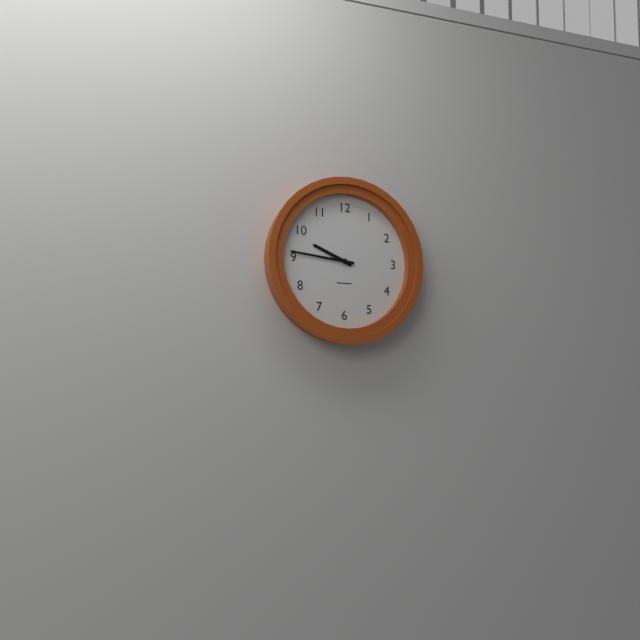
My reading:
h=9 m=46
